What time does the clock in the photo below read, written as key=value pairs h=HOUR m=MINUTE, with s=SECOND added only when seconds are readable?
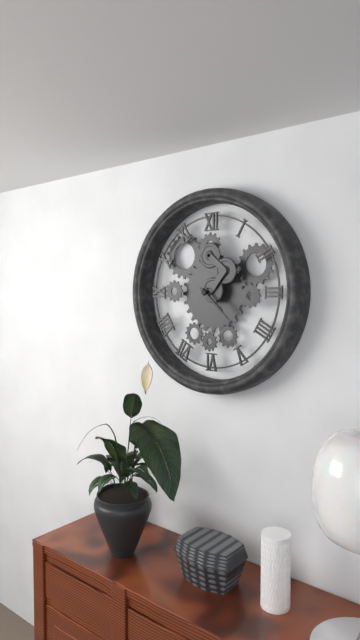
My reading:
h=4 m=22
